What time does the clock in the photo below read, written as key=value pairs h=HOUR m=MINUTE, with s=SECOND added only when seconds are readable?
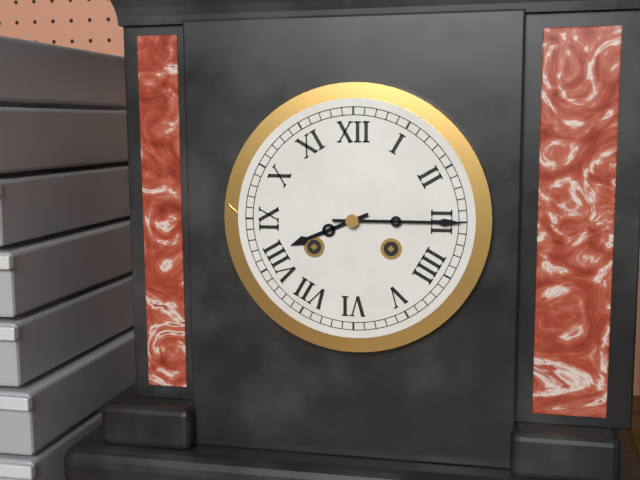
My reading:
h=8 m=15
